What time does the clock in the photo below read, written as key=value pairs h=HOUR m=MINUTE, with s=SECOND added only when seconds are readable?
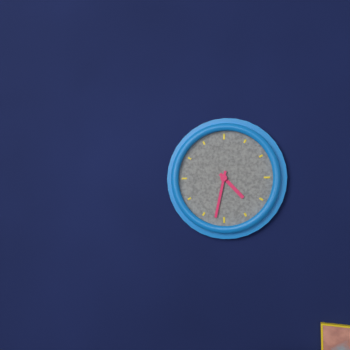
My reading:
h=4 m=32
